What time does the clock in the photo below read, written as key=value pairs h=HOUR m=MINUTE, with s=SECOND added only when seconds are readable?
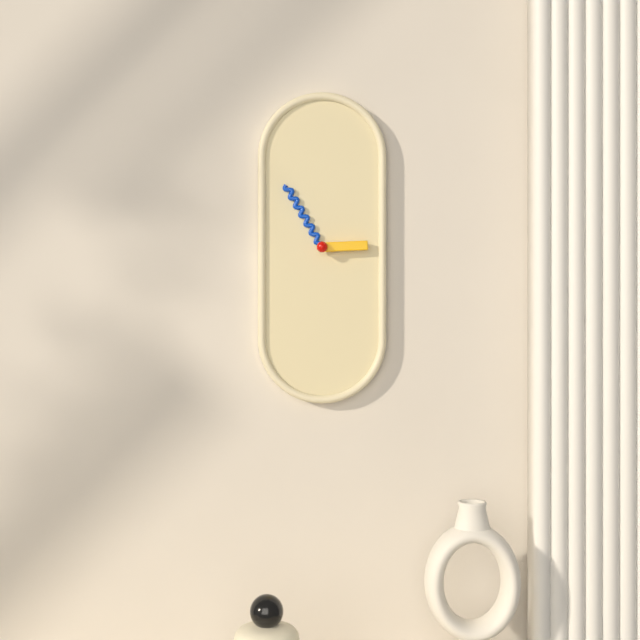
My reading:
h=2 m=55
